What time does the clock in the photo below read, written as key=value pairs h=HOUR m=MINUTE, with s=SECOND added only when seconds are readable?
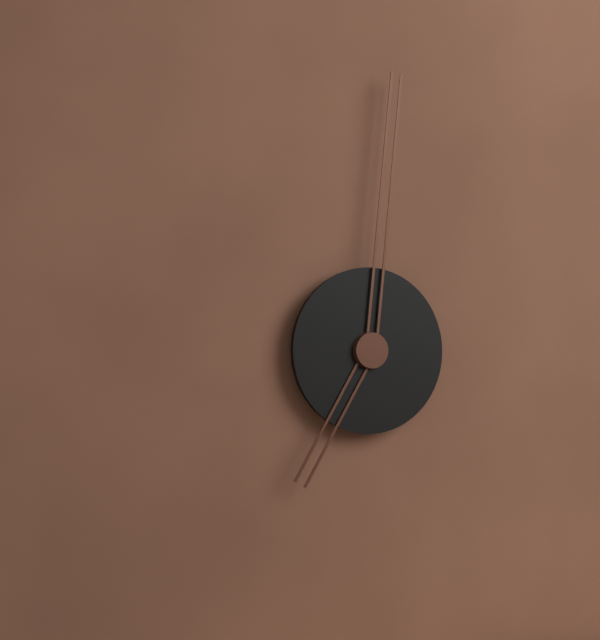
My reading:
h=7 m=1
